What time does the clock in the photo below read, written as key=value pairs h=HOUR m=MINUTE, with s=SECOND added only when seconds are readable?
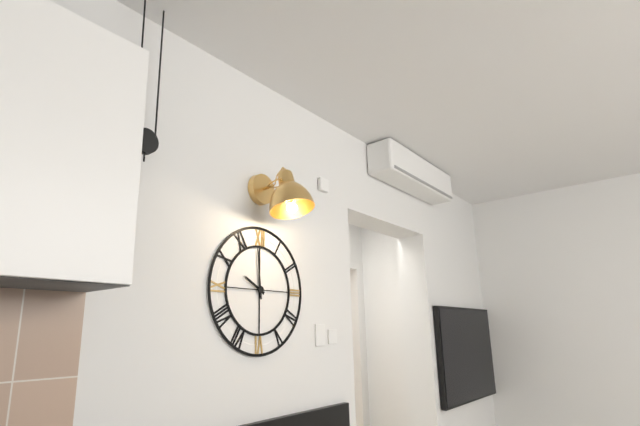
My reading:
h=9 m=59
